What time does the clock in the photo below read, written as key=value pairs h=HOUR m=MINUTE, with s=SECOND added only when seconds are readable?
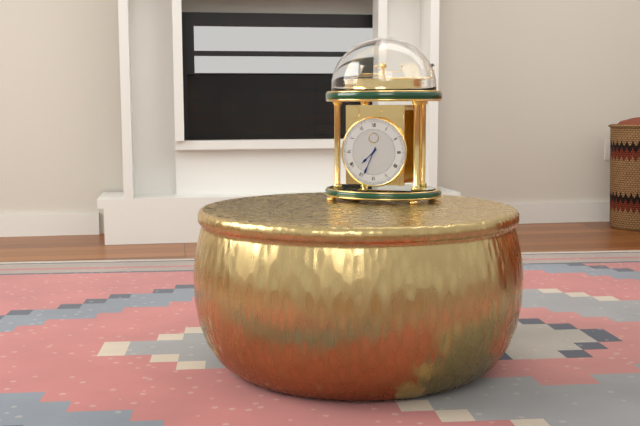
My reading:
h=7 m=34
